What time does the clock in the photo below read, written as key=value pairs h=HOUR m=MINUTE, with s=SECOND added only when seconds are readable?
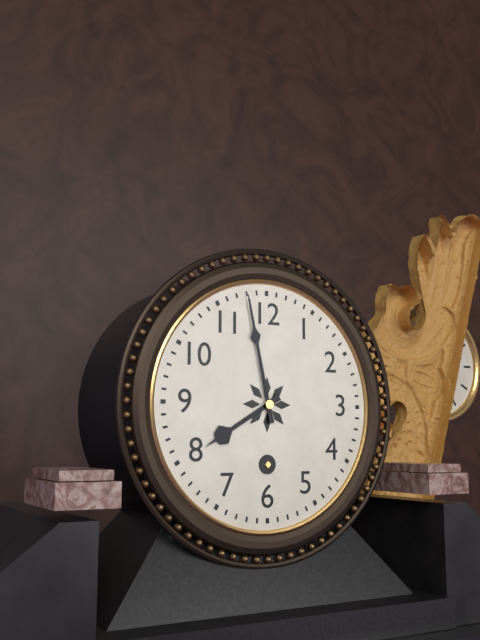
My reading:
h=7 m=58
